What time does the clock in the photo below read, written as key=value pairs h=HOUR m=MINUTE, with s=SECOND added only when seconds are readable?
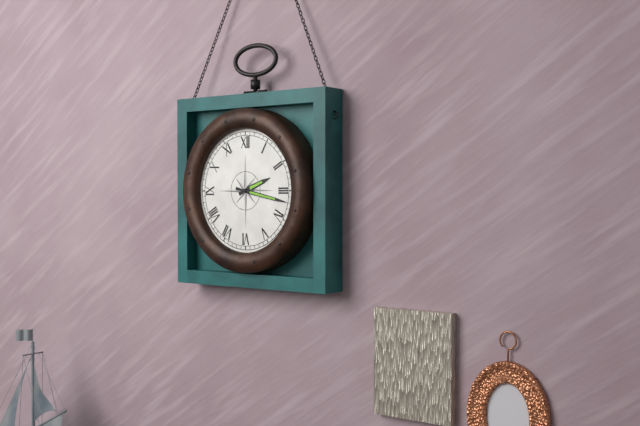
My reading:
h=2 m=17
